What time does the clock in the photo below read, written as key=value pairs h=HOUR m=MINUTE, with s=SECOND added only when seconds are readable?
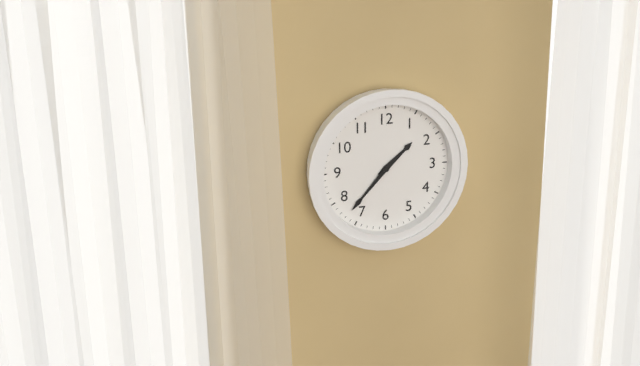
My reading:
h=1 m=37
